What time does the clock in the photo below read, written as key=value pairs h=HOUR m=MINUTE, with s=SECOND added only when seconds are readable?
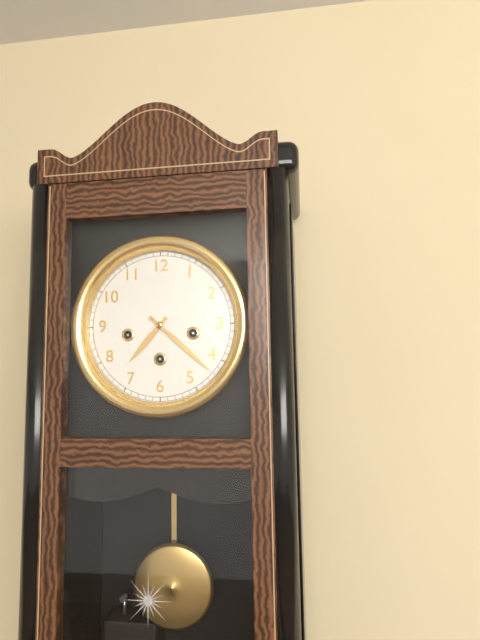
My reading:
h=7 m=22
